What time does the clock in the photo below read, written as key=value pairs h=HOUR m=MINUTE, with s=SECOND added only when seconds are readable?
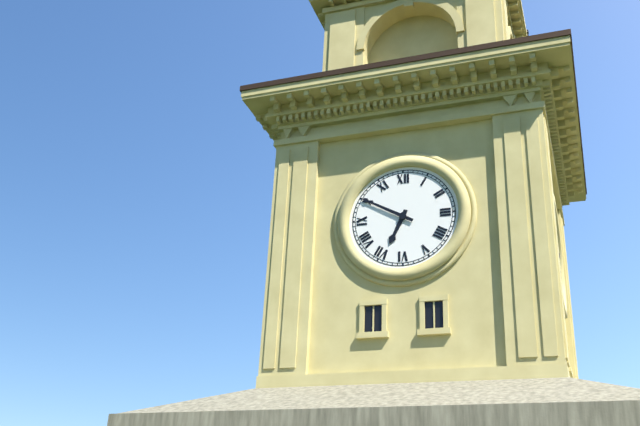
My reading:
h=6 m=50
